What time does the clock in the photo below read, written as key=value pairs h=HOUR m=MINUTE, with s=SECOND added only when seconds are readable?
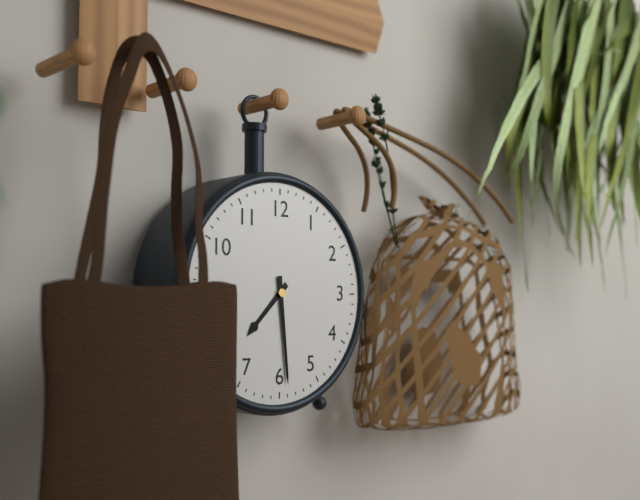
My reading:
h=7 m=29
